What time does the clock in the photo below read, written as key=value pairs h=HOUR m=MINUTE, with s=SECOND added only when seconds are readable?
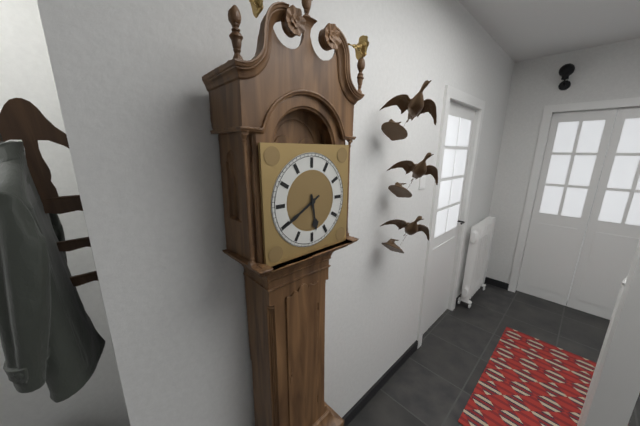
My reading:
h=5 m=40
